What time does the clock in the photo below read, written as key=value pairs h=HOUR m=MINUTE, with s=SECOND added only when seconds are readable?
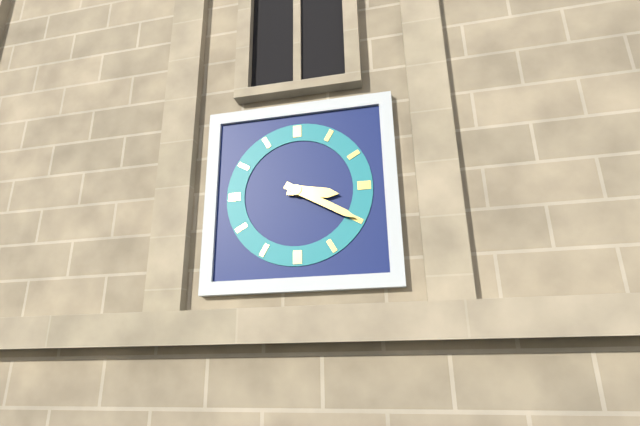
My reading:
h=3 m=20
